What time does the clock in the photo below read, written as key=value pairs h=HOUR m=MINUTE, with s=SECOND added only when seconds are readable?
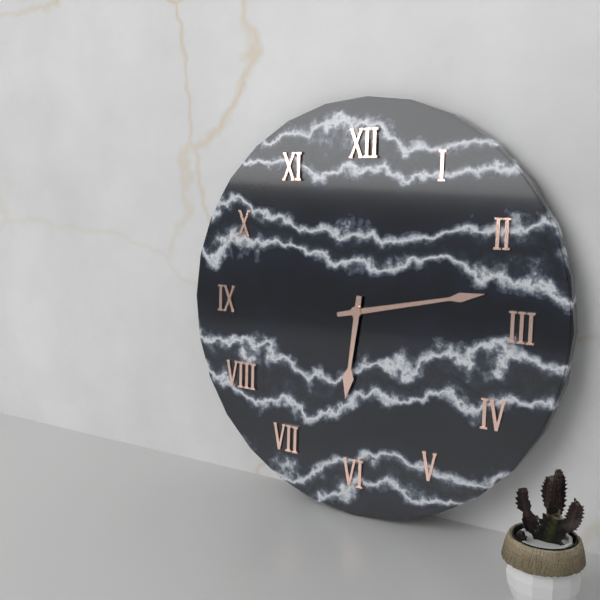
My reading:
h=6 m=13
